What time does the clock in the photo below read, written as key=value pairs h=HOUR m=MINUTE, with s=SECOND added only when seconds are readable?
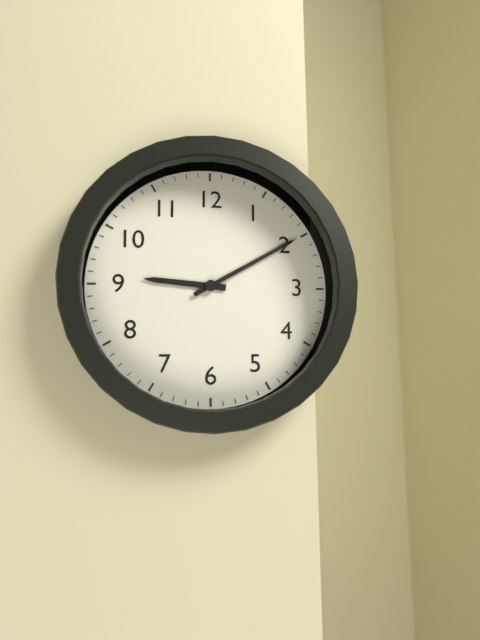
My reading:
h=9 m=10
